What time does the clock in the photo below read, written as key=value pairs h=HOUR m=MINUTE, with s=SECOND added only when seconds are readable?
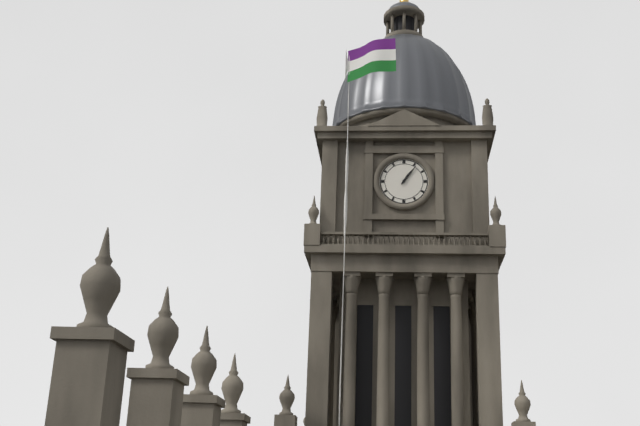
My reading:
h=1 m=6
